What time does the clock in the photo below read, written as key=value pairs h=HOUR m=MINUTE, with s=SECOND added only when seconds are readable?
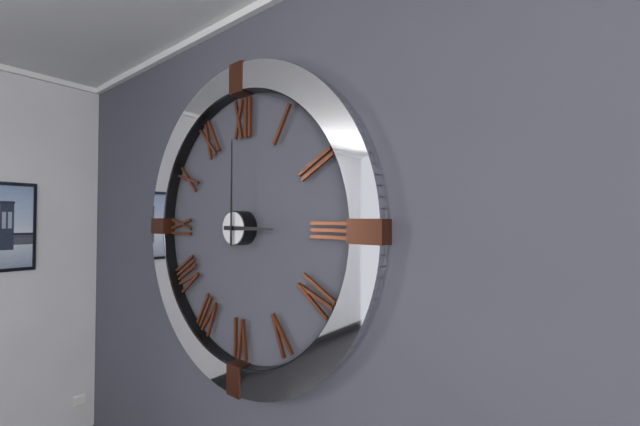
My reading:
h=3 m=0
